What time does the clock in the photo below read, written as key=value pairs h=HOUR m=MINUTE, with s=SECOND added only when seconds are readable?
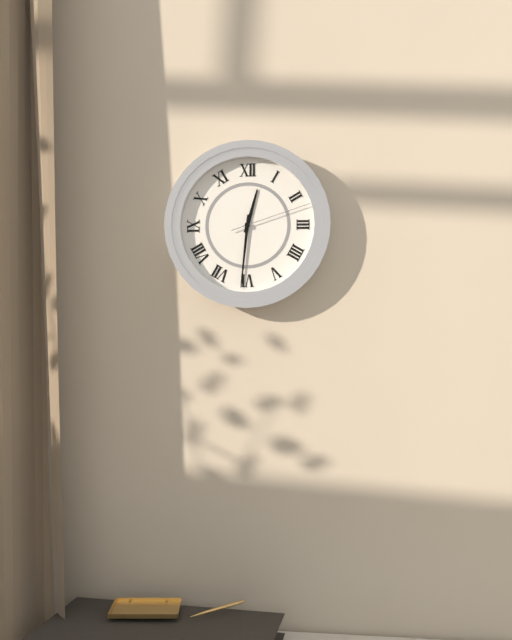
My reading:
h=12 m=31 s=12
